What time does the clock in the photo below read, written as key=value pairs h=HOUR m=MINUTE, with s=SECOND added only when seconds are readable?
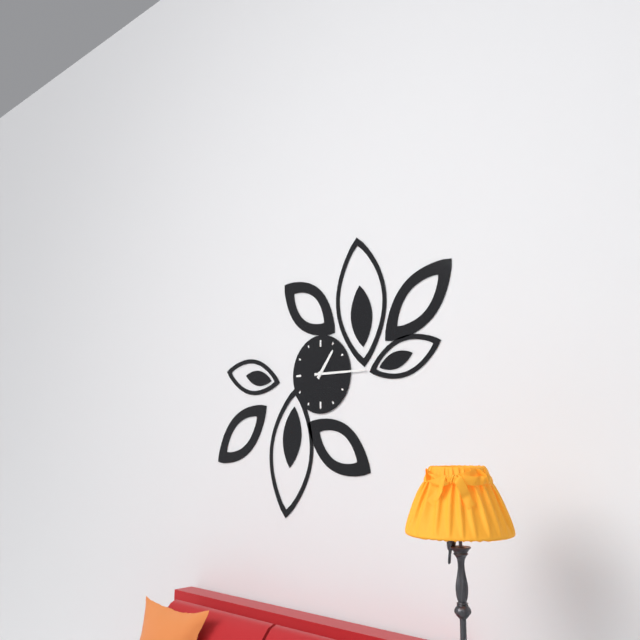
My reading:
h=1 m=15
